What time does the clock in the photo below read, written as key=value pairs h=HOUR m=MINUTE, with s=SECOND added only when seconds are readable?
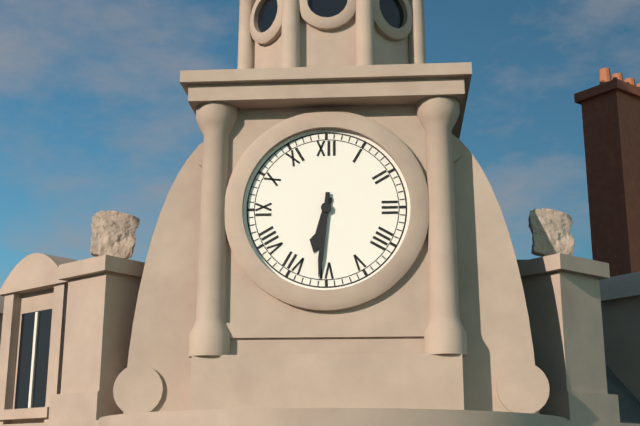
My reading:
h=6 m=31
